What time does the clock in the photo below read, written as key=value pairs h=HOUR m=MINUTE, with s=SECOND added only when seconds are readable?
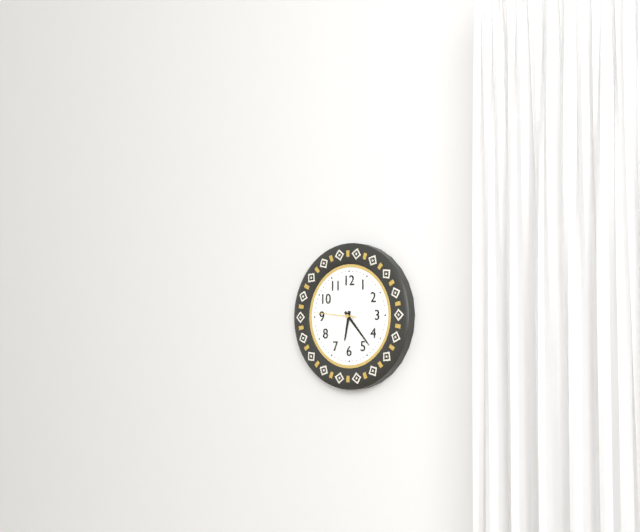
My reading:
h=6 m=23
